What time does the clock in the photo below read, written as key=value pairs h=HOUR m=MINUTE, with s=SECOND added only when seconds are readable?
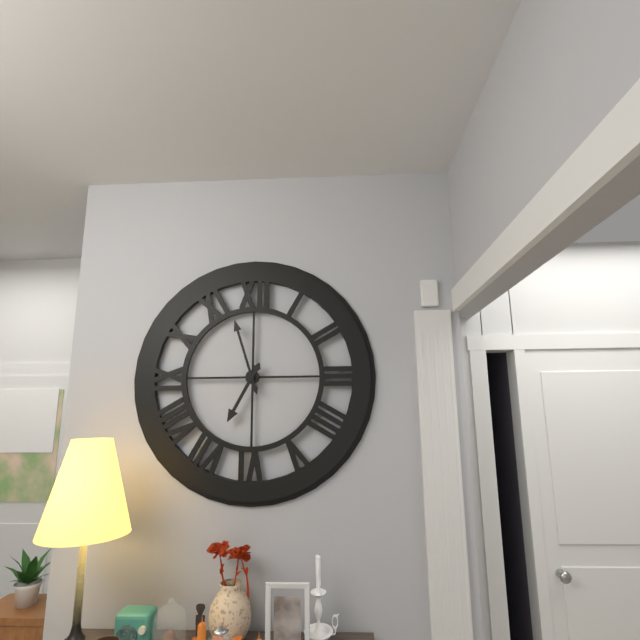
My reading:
h=6 m=57
